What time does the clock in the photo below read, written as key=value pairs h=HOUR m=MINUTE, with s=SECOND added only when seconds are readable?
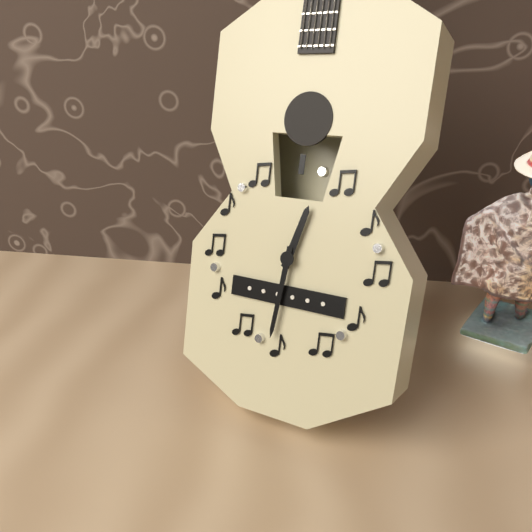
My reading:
h=12 m=31
